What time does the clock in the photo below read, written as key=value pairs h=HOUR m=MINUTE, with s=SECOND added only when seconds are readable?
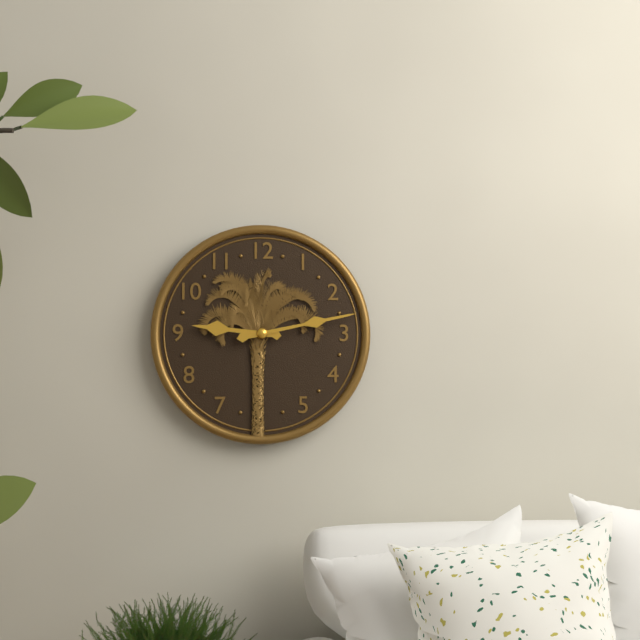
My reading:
h=9 m=13
